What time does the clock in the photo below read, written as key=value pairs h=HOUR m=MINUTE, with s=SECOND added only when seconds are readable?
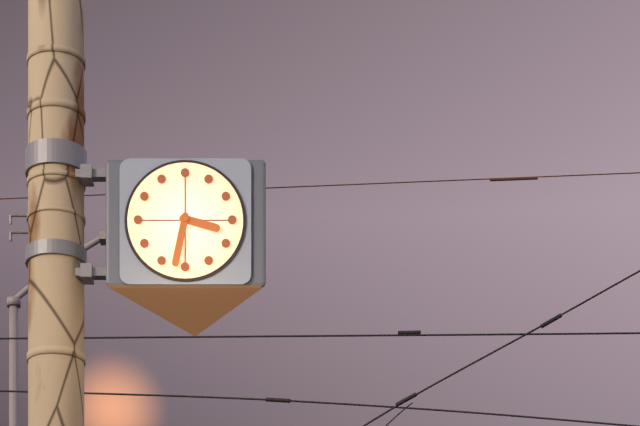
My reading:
h=3 m=32
